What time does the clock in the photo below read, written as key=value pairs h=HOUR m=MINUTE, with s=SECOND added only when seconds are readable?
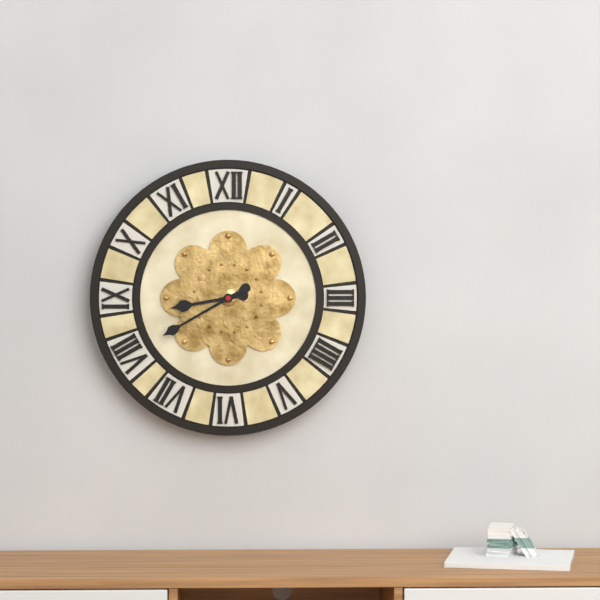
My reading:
h=8 m=40
